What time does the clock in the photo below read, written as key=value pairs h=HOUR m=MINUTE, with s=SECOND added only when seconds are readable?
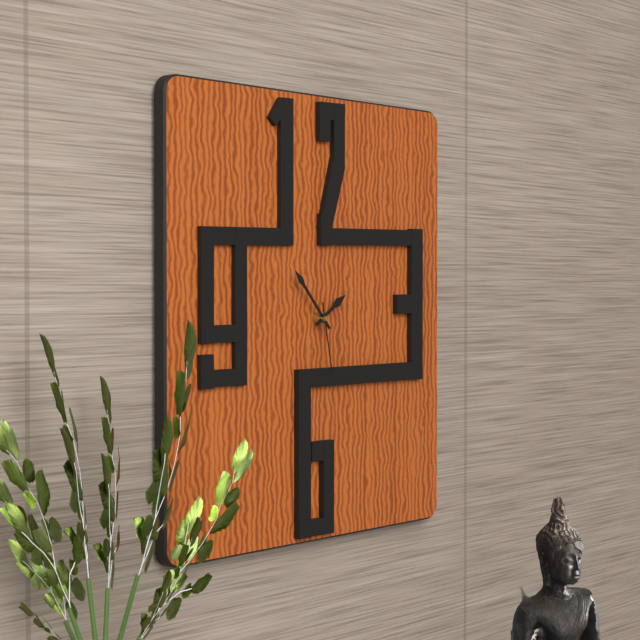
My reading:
h=1 m=53 s=28
